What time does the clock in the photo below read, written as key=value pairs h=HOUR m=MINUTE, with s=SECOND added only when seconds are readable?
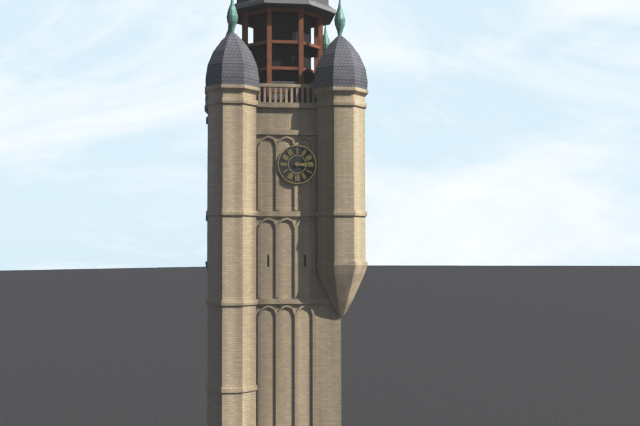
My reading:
h=3 m=14
